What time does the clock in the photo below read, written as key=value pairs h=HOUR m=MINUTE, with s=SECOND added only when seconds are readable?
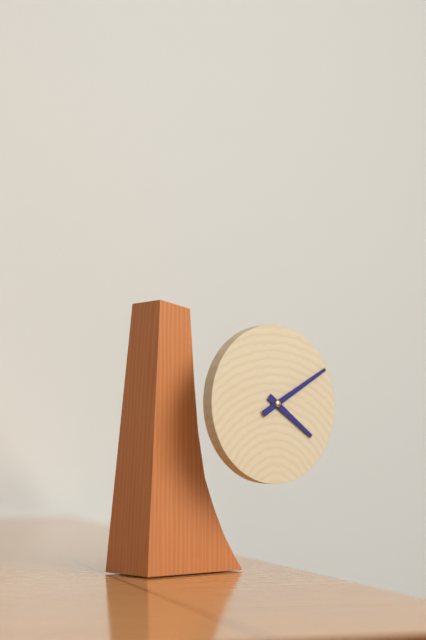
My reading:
h=4 m=10
